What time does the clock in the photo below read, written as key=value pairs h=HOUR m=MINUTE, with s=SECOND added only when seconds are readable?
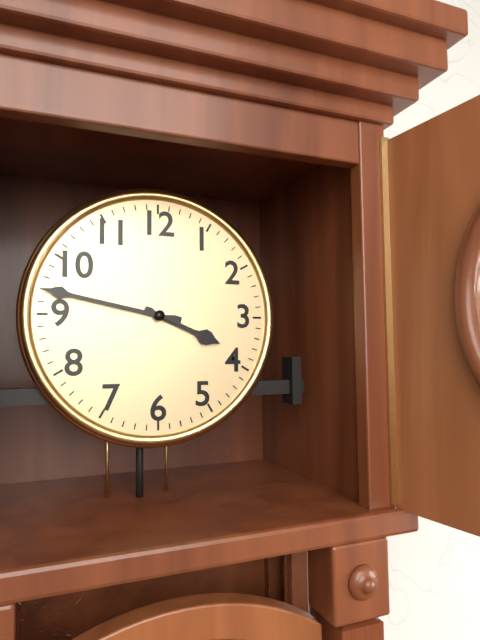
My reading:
h=3 m=47
